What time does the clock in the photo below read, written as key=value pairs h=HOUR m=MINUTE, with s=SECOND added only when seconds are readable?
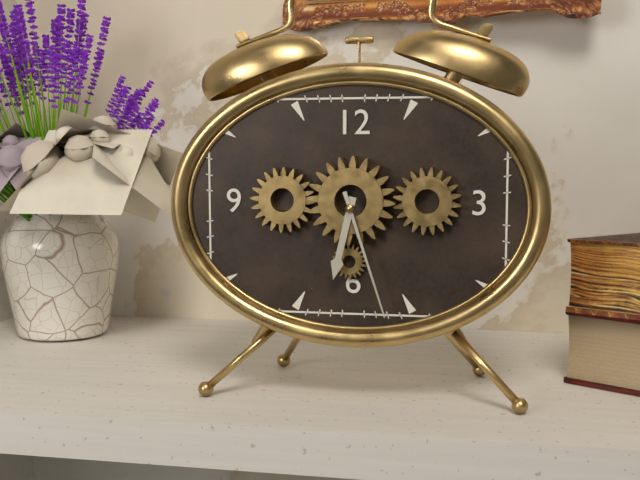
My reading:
h=6 m=27
